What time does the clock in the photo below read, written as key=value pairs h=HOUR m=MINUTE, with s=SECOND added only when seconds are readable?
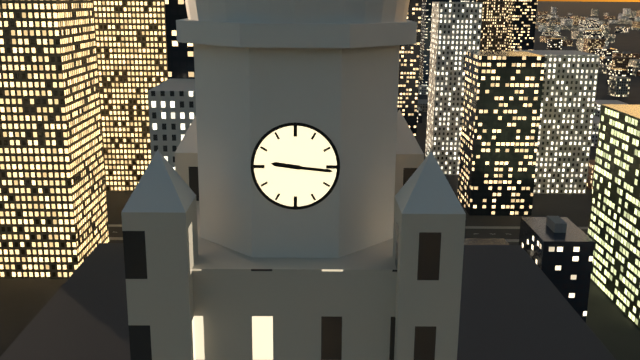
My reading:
h=9 m=16
